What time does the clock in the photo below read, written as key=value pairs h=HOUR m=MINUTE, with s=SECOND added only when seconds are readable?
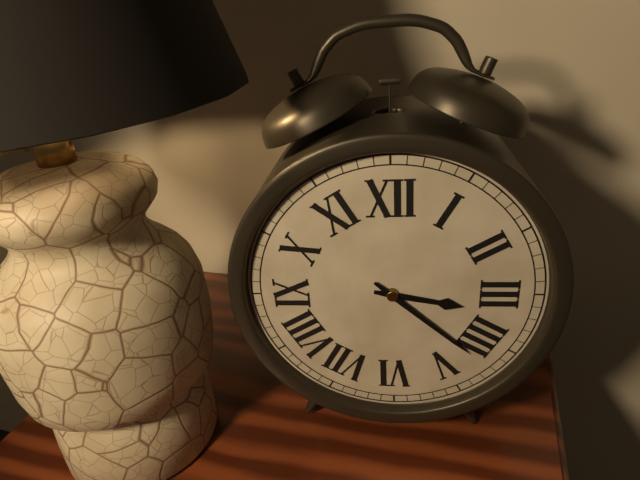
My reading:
h=3 m=22
